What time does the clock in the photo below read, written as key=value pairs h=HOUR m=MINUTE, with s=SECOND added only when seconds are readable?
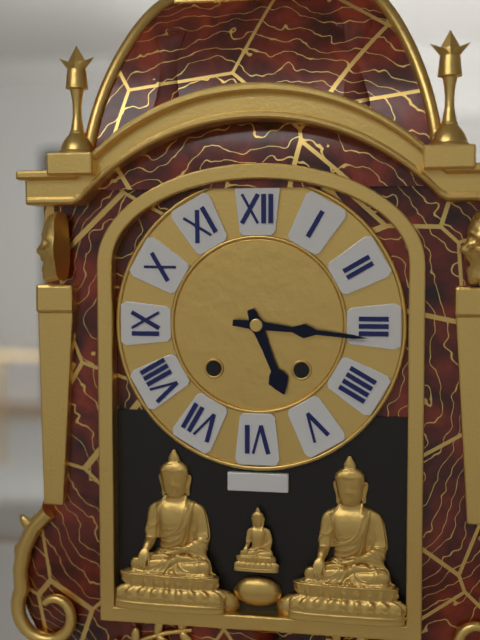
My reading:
h=5 m=16
